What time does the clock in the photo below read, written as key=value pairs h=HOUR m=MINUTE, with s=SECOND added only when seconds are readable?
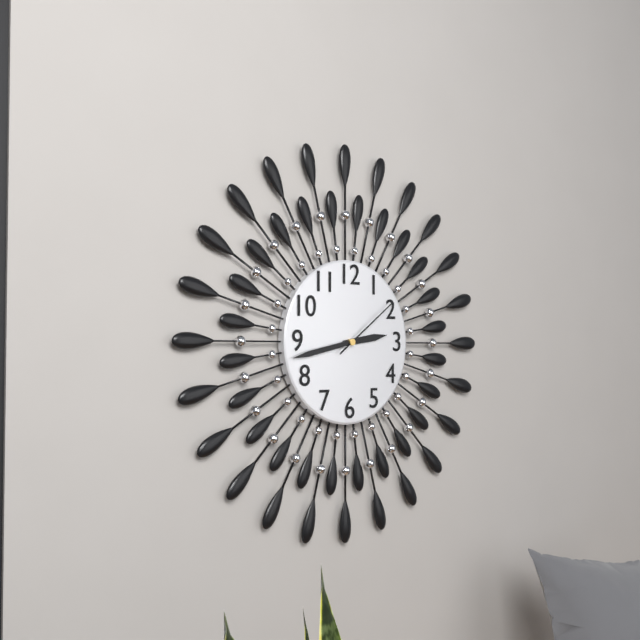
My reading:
h=2 m=43 s=9
